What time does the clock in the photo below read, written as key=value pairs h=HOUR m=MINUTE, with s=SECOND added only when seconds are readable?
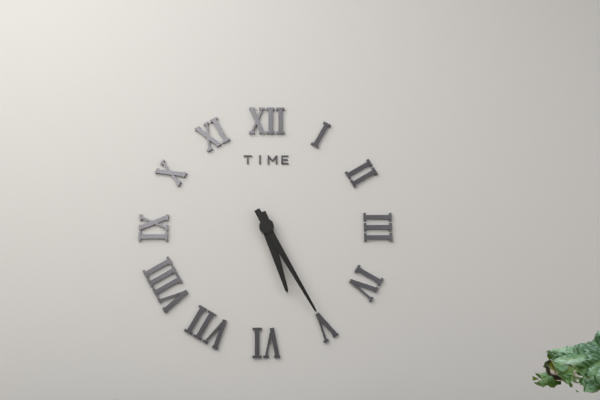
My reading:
h=5 m=25
